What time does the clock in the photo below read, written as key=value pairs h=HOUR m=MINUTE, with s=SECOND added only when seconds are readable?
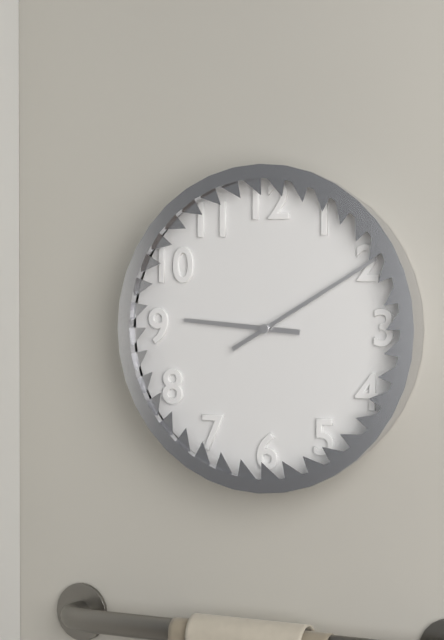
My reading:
h=9 m=10
